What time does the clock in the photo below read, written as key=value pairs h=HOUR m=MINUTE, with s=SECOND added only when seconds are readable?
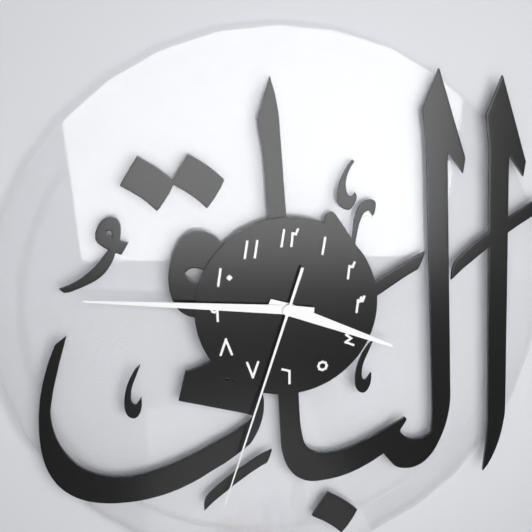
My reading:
h=3 m=46 s=33
